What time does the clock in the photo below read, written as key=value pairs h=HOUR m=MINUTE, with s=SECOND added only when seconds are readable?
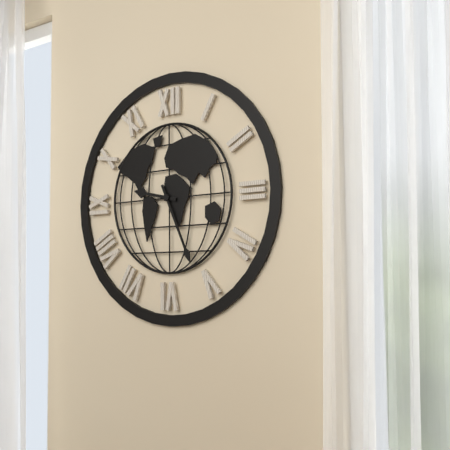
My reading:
h=9 m=26
